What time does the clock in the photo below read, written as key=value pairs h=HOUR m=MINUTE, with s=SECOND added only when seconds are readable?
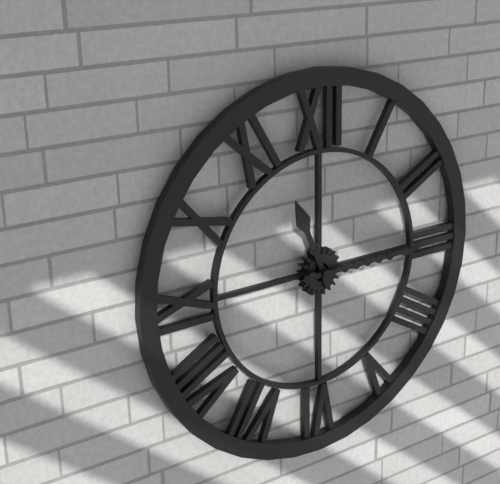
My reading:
h=11 m=15
